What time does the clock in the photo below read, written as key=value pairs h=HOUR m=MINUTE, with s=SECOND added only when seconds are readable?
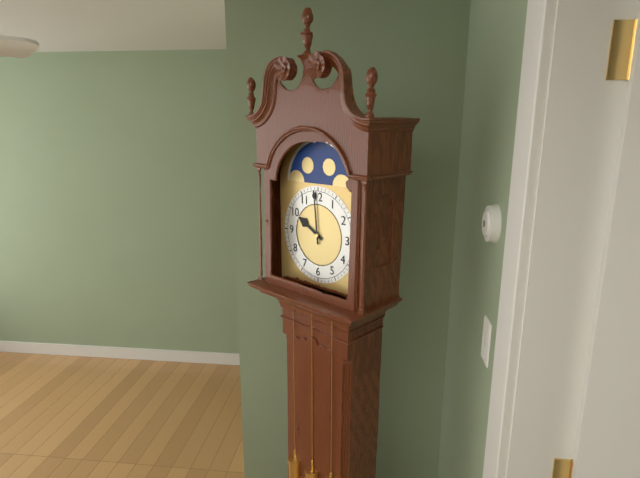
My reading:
h=9 m=59
